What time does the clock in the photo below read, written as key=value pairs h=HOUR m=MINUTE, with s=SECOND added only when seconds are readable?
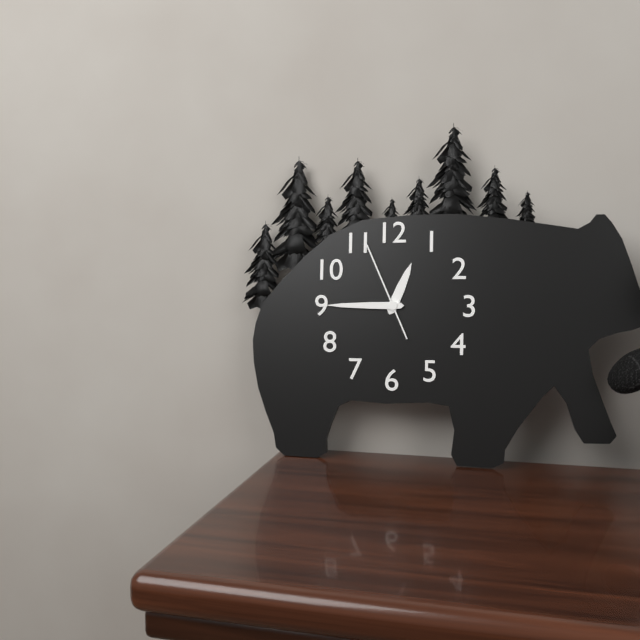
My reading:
h=12 m=45 s=56
